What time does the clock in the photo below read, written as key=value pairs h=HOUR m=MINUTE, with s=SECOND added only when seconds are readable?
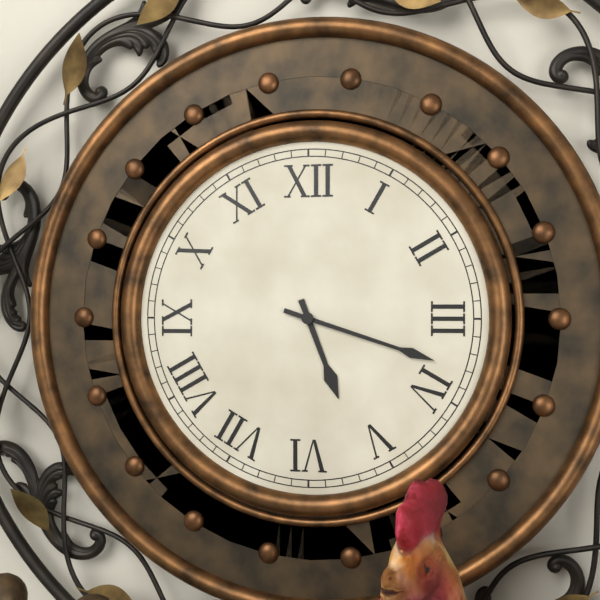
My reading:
h=5 m=18
